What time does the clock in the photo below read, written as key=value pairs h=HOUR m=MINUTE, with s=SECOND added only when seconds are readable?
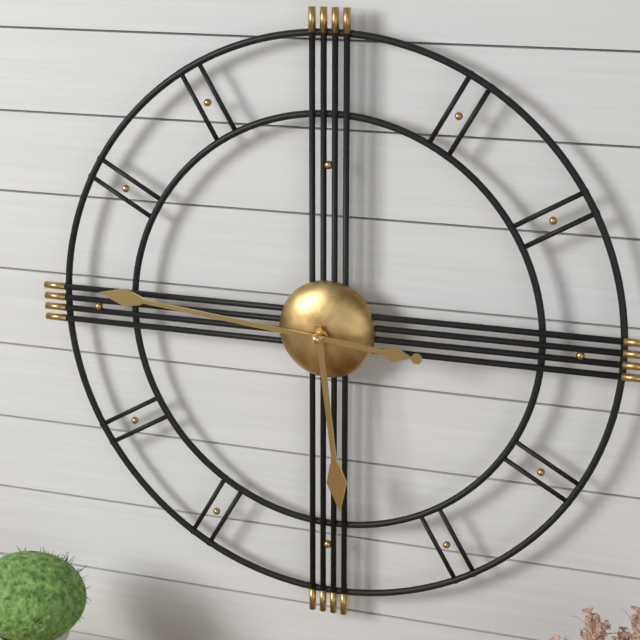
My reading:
h=5 m=46
